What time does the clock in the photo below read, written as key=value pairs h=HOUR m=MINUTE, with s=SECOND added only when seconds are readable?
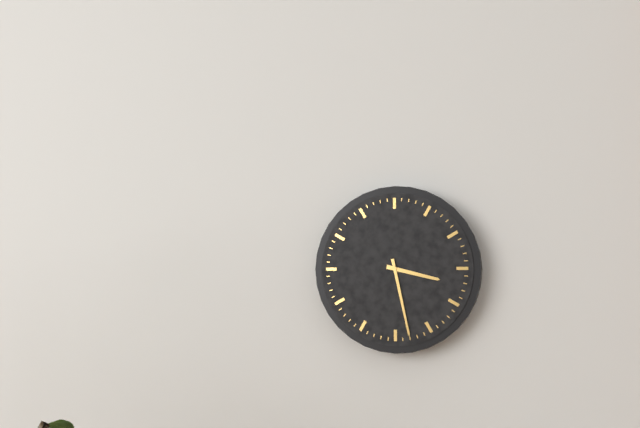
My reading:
h=3 m=28
